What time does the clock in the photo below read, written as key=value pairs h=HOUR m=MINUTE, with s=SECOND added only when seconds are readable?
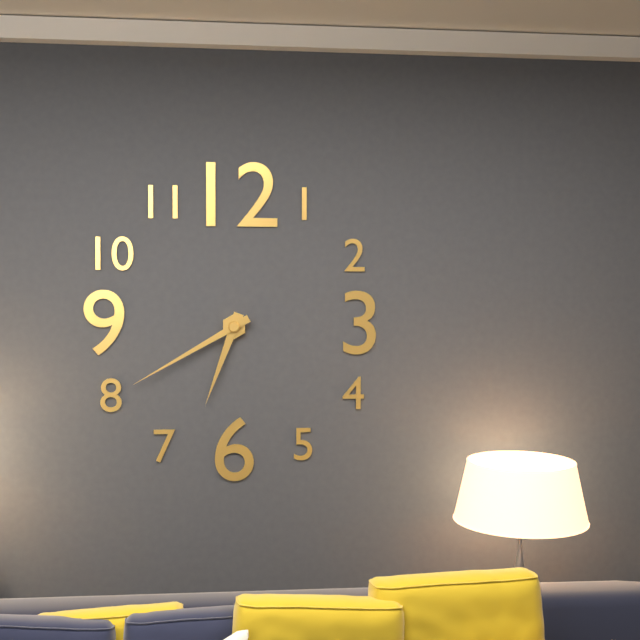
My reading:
h=6 m=40
